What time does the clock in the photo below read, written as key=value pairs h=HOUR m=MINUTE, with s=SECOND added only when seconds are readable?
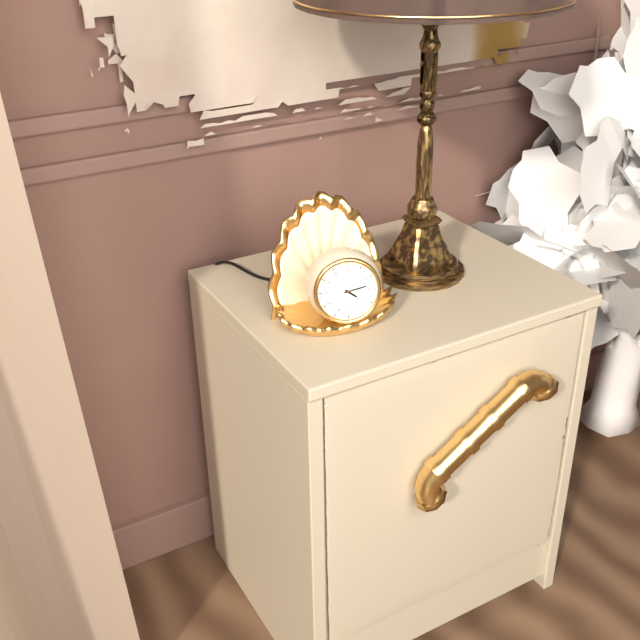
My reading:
h=4 m=13
